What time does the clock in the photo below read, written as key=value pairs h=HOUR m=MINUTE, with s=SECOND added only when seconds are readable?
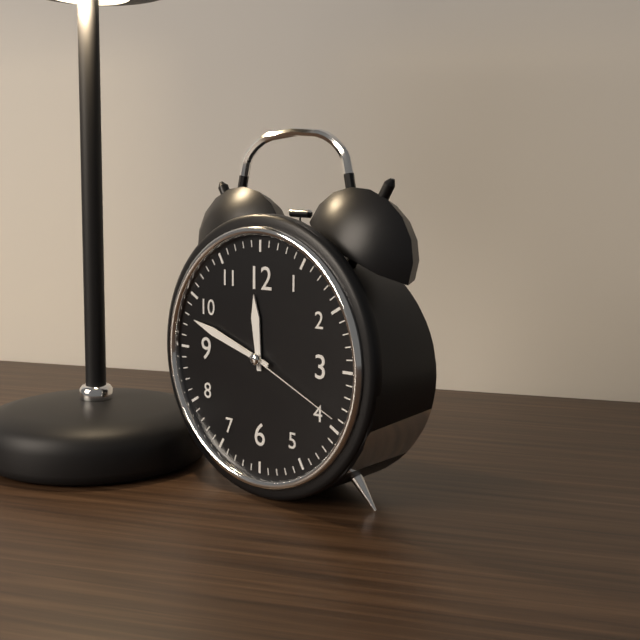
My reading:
h=11 m=48 s=19
